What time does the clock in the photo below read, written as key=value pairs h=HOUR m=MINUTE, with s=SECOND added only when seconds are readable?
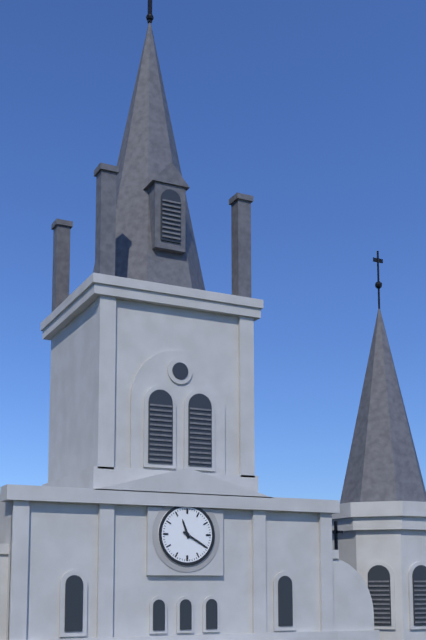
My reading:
h=11 m=20
